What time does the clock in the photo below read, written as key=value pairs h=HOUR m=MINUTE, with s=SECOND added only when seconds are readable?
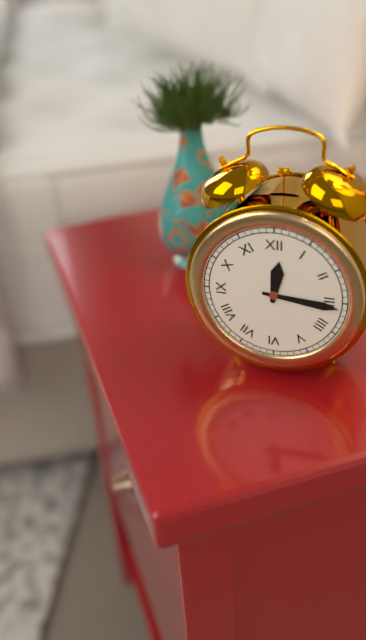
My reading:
h=12 m=16
